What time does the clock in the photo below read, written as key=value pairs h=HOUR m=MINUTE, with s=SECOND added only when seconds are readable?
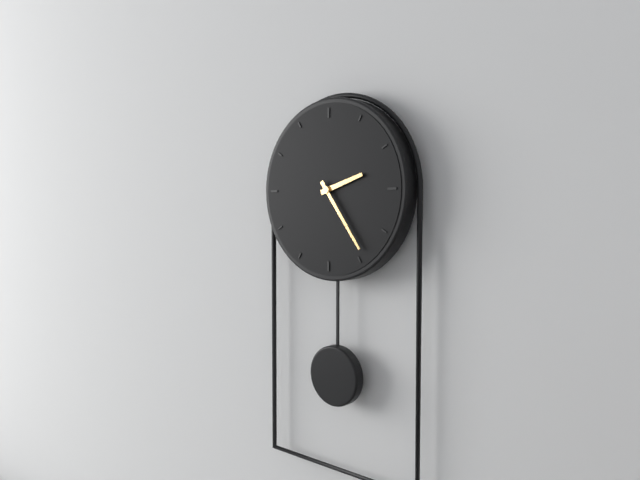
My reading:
h=2 m=24
